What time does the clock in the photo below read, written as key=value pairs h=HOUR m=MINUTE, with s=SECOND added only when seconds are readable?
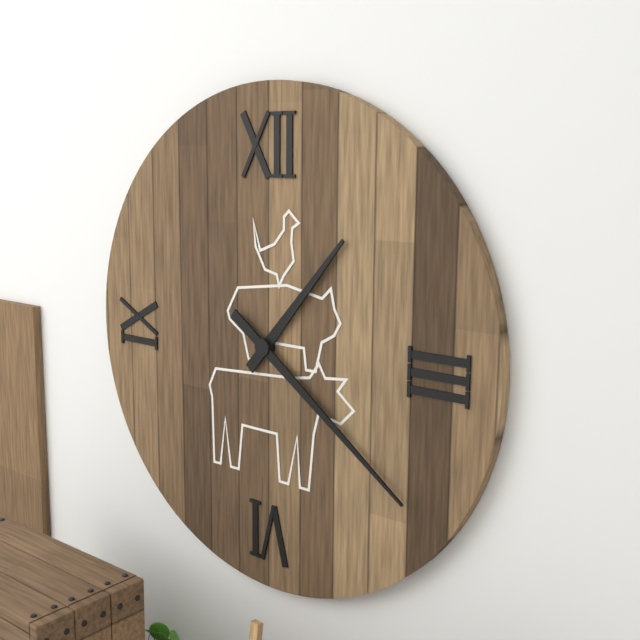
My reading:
h=1 m=21
